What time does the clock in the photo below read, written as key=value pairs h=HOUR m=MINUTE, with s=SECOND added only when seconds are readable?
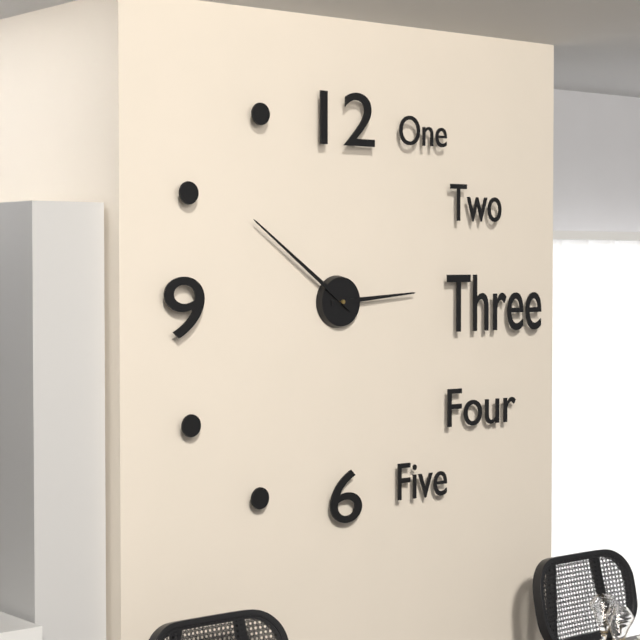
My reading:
h=2 m=51
